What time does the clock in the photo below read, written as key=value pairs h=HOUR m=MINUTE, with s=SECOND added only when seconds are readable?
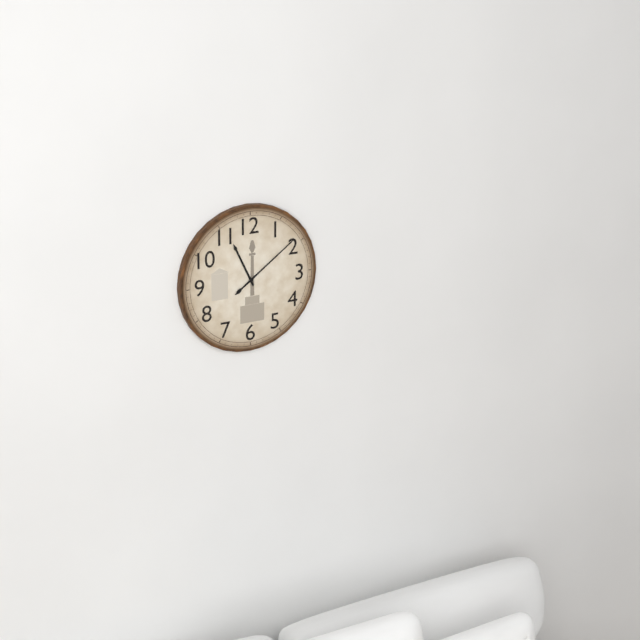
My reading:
h=11 m=9
